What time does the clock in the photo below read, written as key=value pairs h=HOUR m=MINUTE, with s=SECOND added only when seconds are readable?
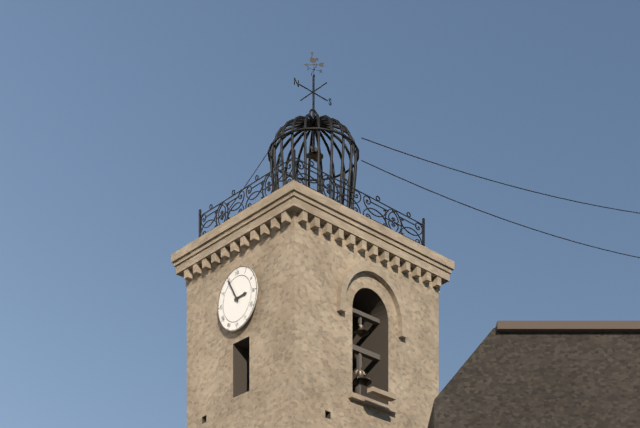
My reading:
h=2 m=55
